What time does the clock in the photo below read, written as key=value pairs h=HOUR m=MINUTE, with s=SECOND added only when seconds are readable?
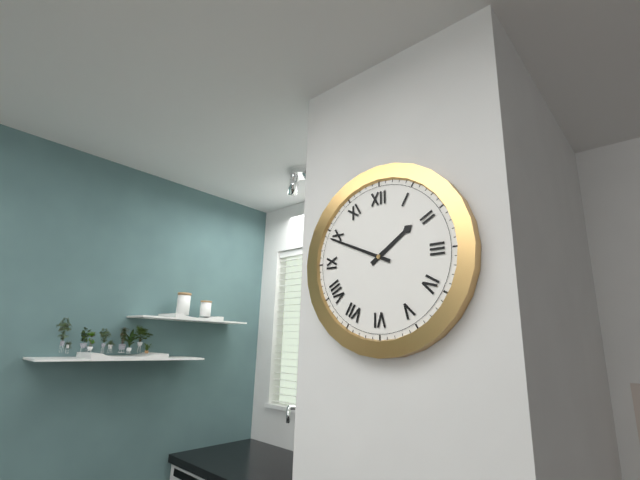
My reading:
h=1 m=49
